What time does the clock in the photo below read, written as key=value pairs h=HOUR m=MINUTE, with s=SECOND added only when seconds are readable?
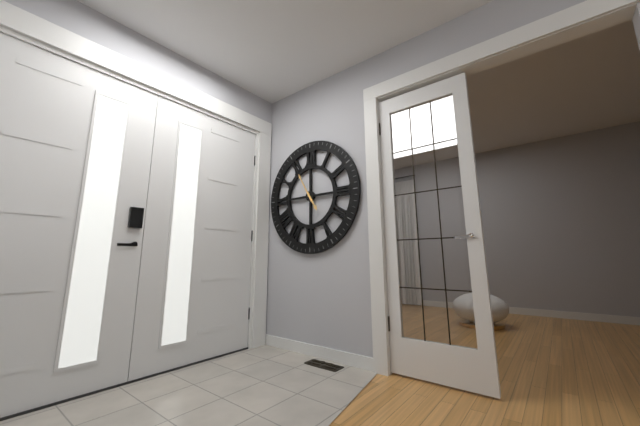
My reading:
h=4 m=55
